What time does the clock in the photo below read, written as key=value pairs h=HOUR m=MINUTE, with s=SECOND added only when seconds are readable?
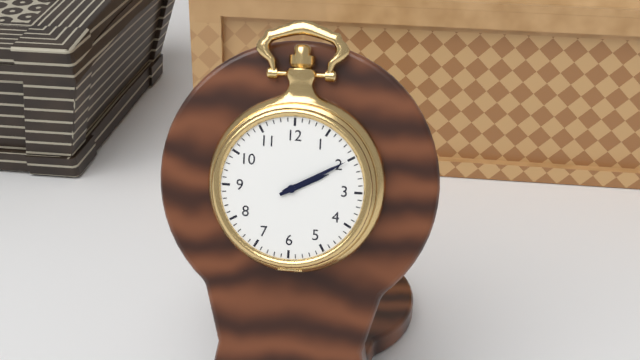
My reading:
h=2 m=10
